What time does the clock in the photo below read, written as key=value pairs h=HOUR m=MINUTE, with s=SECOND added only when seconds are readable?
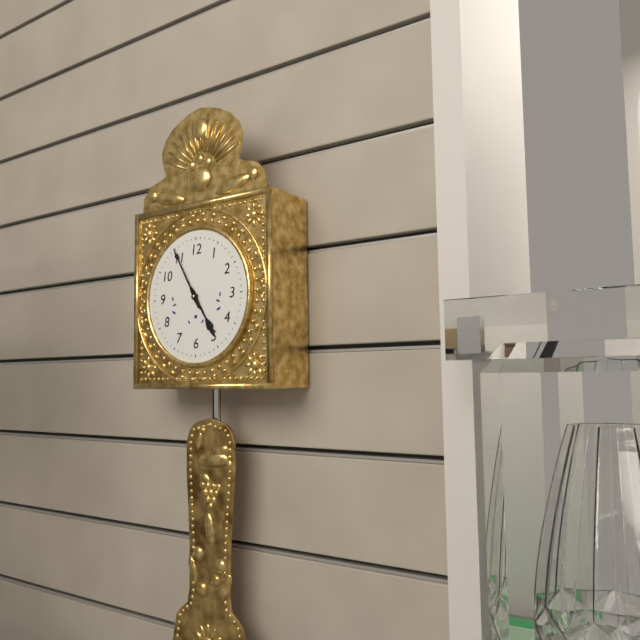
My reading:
h=4 m=55
